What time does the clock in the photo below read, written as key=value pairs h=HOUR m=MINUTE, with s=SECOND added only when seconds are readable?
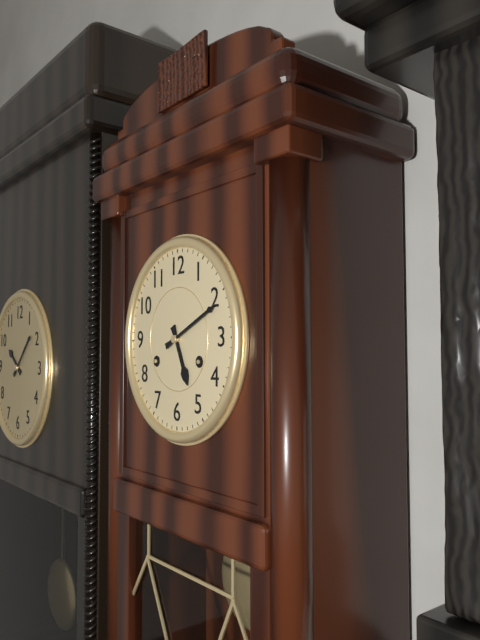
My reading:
h=5 m=11
